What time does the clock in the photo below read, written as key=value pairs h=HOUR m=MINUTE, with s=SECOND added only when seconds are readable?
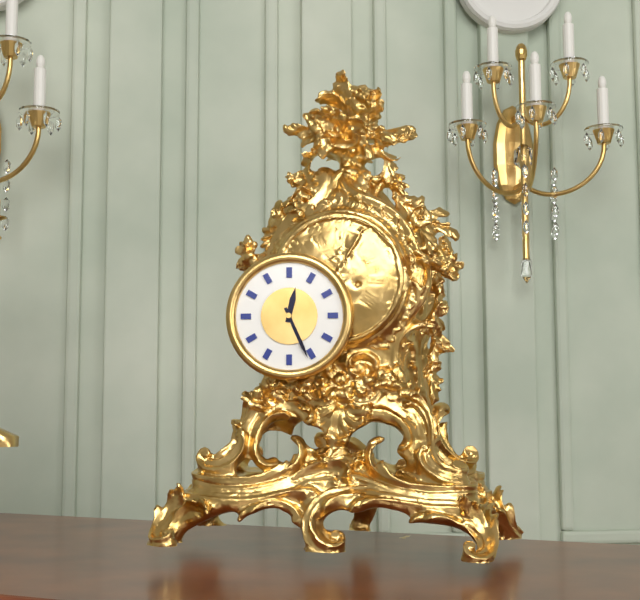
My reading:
h=12 m=26
